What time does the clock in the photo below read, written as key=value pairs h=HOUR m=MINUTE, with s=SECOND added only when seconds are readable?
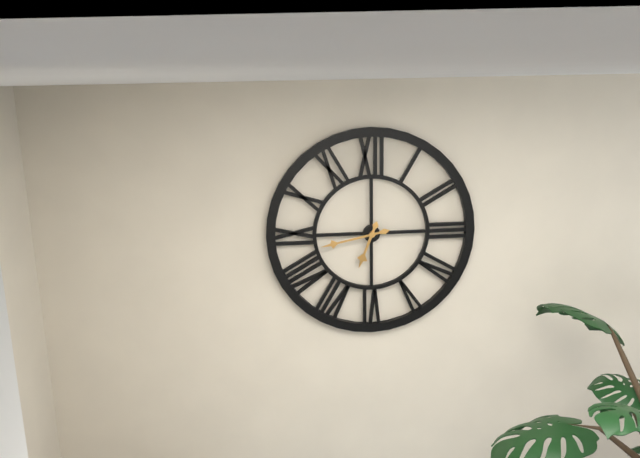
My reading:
h=6 m=43
